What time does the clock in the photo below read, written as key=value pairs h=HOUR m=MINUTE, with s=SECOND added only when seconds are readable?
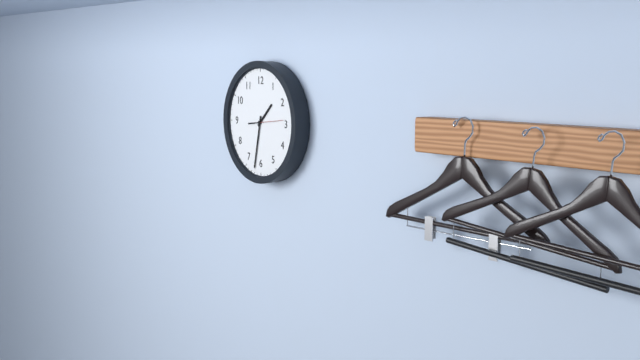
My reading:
h=1 m=32
